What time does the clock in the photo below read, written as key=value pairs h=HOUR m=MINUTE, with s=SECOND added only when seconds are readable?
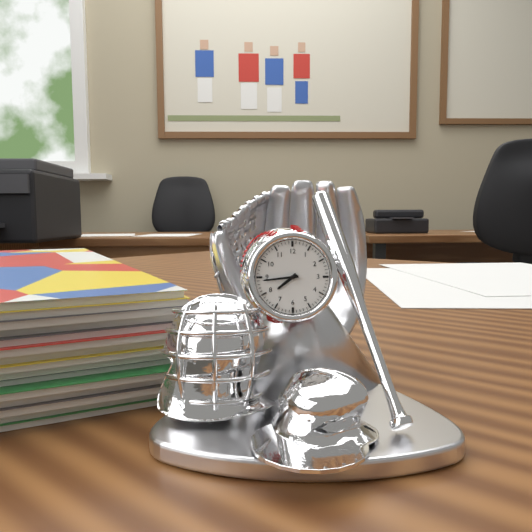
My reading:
h=7 m=44
